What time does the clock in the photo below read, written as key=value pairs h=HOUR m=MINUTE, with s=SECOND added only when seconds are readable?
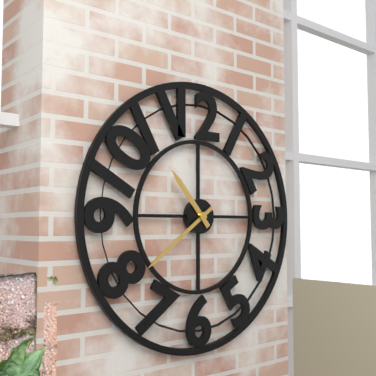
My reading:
h=10 m=39
